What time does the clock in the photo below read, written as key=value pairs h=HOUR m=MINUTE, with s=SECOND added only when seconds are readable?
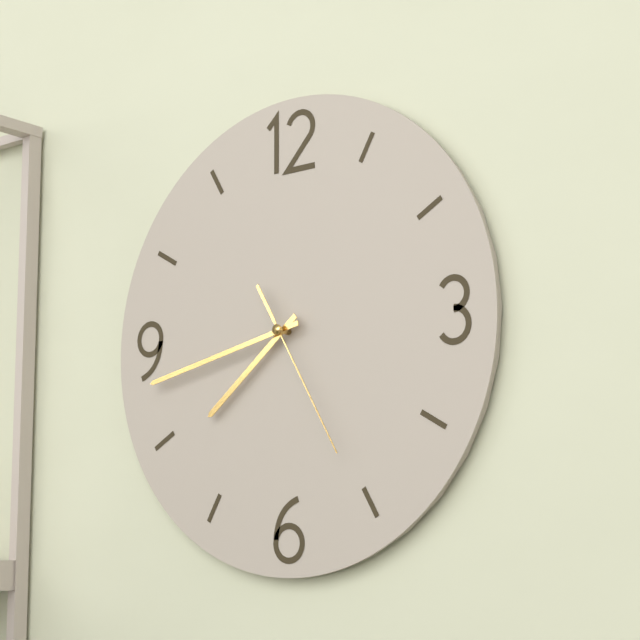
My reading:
h=7 m=43 s=25
